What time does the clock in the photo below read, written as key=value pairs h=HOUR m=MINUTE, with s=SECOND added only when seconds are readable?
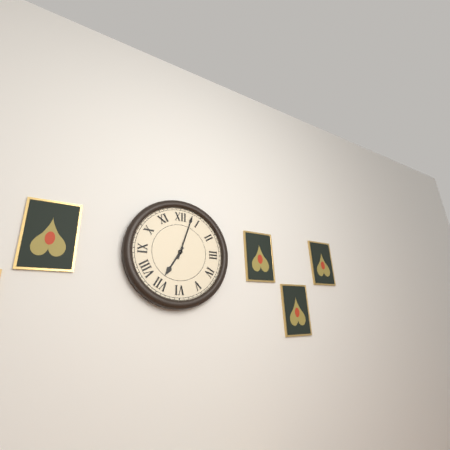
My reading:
h=7 m=3
